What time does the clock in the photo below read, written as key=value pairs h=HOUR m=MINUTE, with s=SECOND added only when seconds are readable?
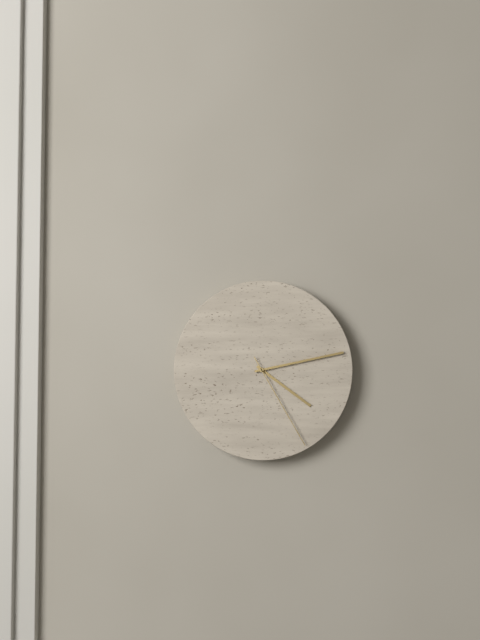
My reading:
h=4 m=13 s=25
